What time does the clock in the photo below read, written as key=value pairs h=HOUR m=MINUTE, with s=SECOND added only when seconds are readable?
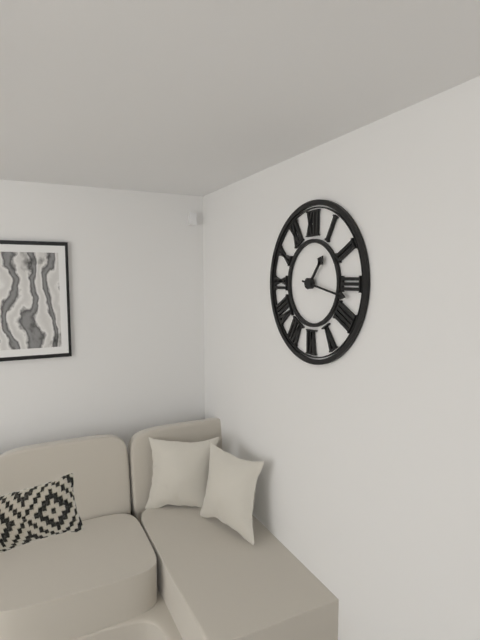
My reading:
h=1 m=17
